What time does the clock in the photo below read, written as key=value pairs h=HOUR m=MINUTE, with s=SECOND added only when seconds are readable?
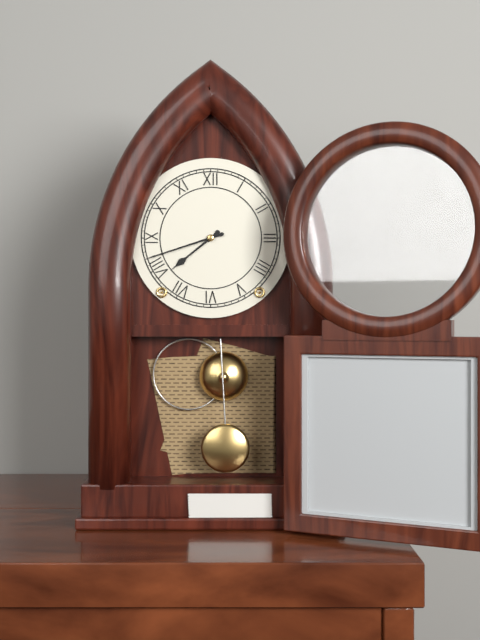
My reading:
h=7 m=42
